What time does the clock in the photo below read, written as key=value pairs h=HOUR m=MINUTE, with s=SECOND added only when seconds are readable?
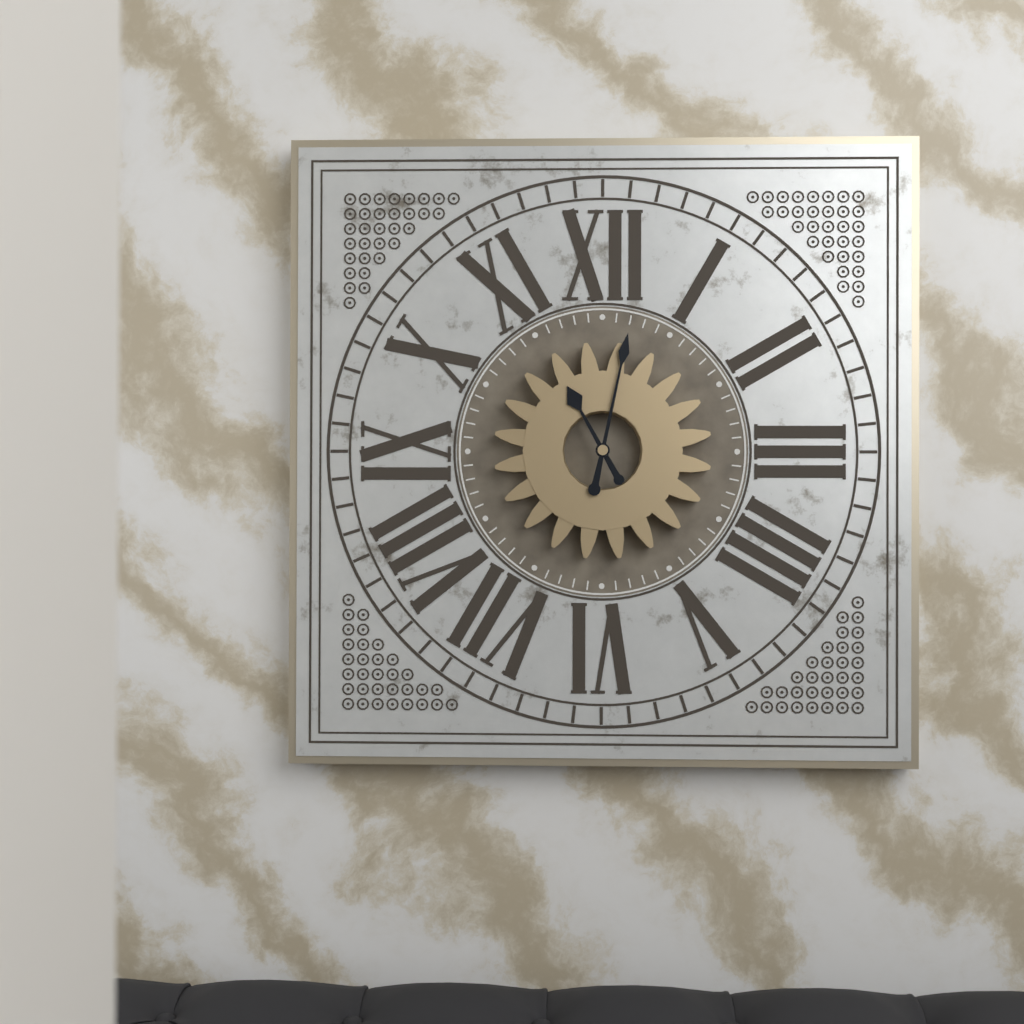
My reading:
h=11 m=2
